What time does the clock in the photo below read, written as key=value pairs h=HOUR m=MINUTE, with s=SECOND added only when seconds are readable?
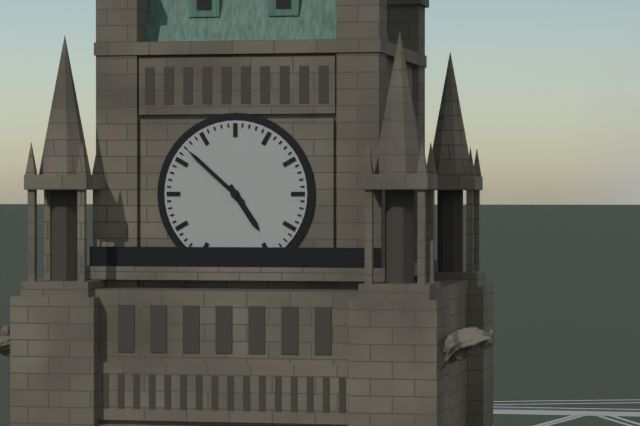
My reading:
h=4 m=52
